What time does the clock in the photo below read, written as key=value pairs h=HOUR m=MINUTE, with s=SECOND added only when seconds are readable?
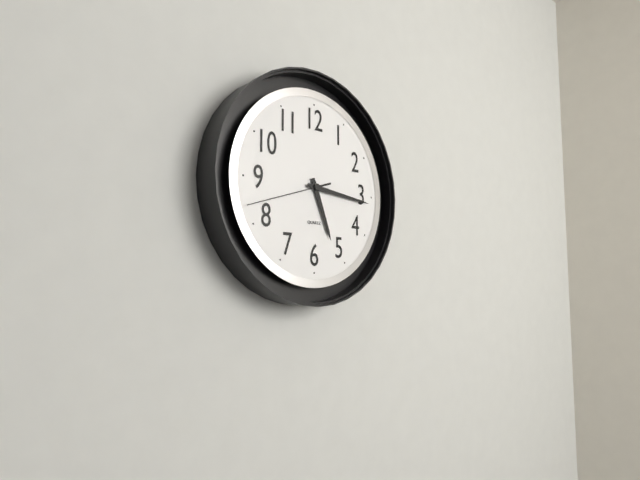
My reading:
h=5 m=16 s=42
